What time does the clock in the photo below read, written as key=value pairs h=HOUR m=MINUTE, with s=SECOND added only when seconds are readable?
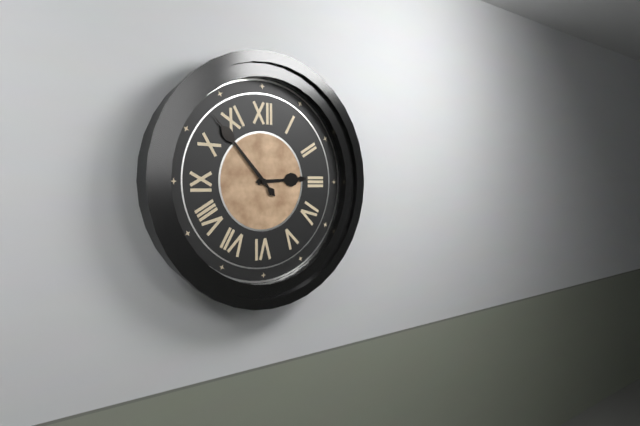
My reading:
h=2 m=53
